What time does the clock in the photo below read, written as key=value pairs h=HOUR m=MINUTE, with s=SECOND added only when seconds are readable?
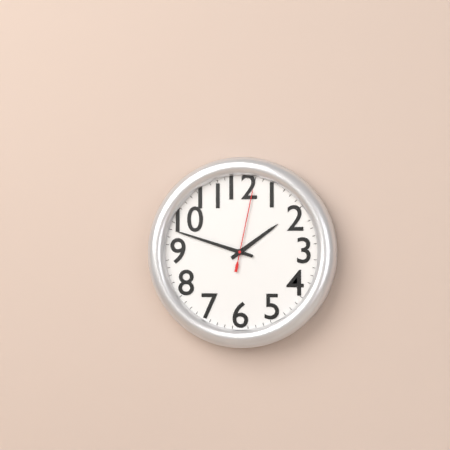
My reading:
h=1 m=48 s=2
